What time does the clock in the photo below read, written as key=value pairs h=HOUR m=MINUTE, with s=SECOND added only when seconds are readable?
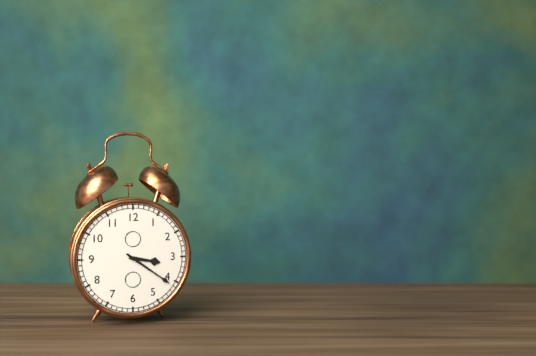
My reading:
h=3 m=21
